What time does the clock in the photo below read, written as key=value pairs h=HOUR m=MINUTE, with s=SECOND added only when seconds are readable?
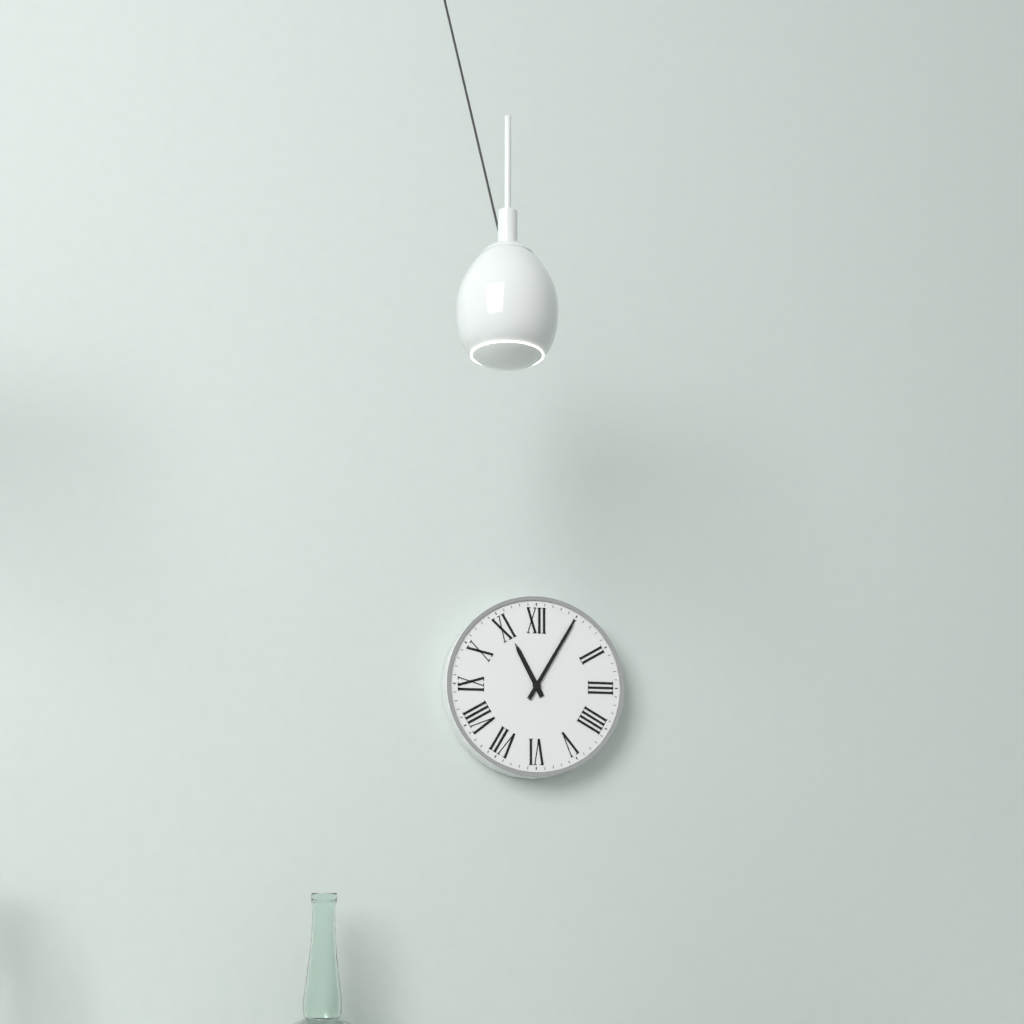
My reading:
h=11 m=5
